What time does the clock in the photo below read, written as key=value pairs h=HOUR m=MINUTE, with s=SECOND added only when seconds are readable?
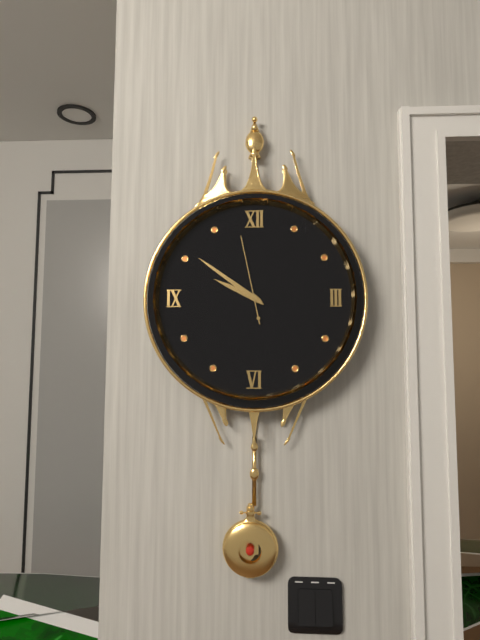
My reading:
h=9 m=51 s=58
